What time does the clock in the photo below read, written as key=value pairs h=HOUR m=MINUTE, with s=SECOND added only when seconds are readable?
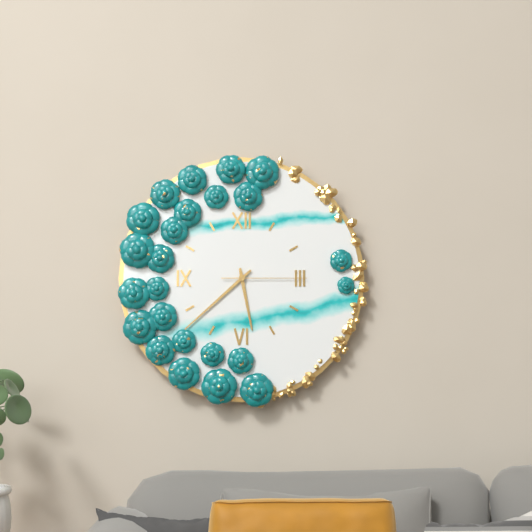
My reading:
h=5 m=38 s=15
